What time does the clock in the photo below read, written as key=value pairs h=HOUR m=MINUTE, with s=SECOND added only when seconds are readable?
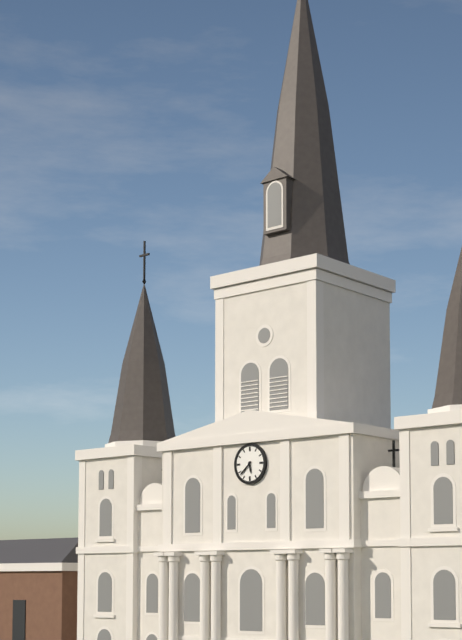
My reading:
h=5 m=38
